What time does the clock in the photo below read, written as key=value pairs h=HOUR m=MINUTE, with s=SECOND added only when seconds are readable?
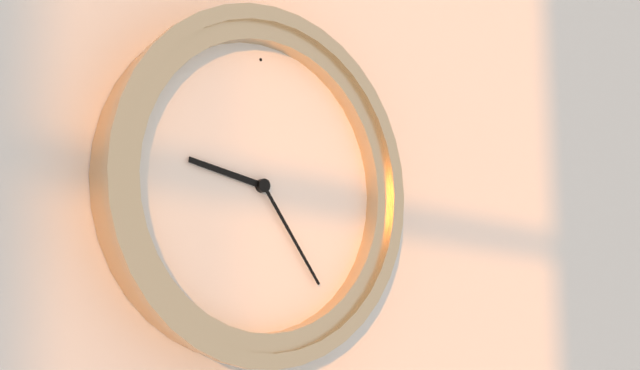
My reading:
h=9 m=24
